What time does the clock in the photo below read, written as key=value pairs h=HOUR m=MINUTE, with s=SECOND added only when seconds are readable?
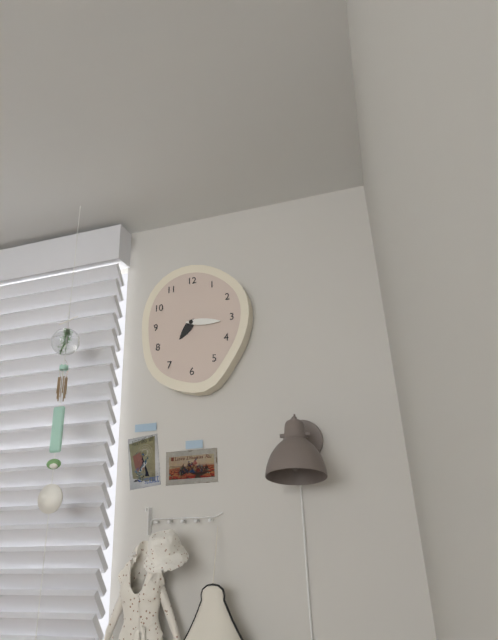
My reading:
h=7 m=16
